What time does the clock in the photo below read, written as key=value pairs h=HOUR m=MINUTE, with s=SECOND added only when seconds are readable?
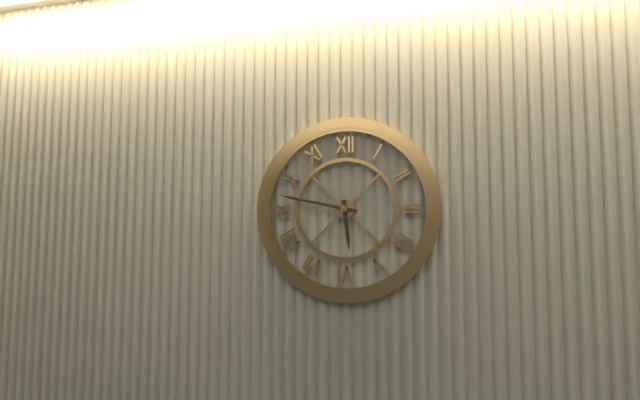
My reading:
h=5 m=47
